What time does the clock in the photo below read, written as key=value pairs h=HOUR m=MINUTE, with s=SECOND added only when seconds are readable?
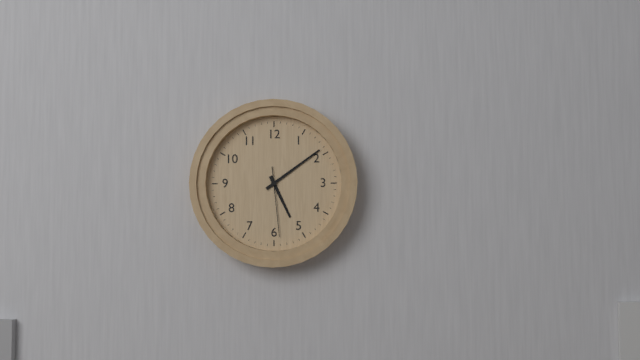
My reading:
h=5 m=9 s=29
